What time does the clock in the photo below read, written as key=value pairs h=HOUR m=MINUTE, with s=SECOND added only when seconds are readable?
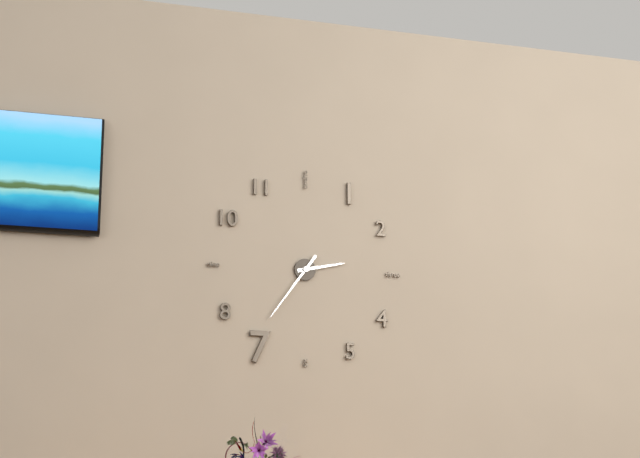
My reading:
h=2 m=36
